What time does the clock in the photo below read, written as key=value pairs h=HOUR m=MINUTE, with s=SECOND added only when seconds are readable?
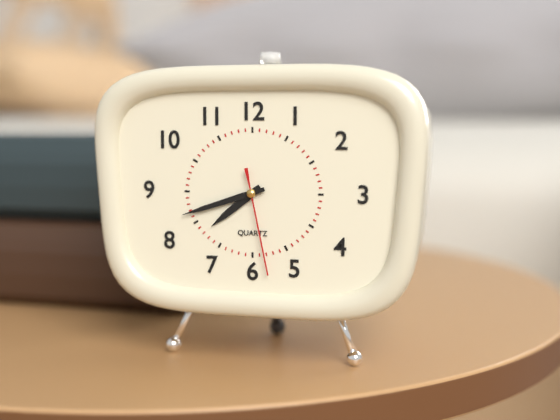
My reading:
h=7 m=42 s=28
